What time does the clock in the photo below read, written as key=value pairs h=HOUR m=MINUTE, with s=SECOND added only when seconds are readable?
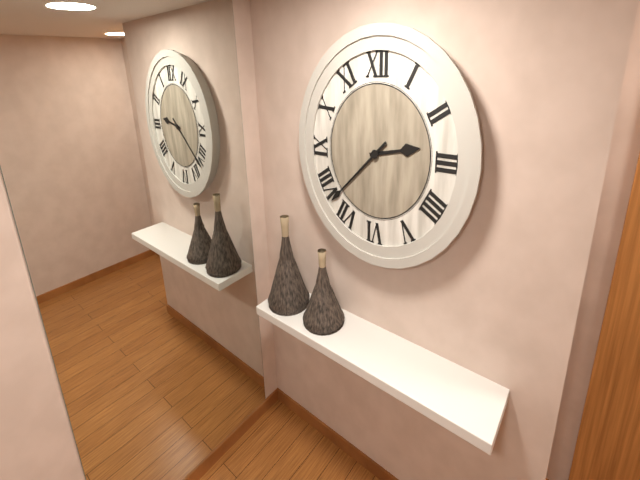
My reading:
h=2 m=38
